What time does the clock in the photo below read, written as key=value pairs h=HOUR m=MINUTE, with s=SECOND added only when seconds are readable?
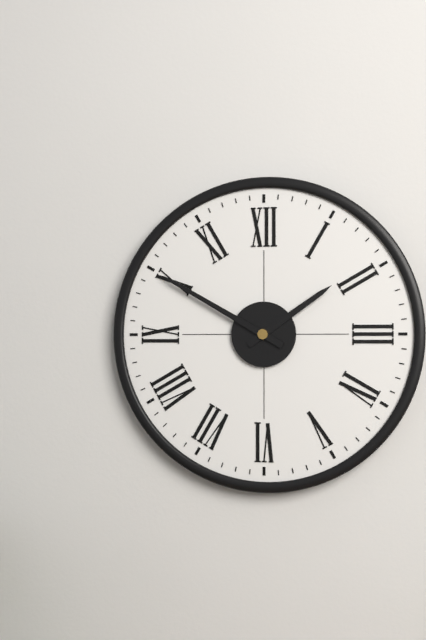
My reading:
h=1 m=50
